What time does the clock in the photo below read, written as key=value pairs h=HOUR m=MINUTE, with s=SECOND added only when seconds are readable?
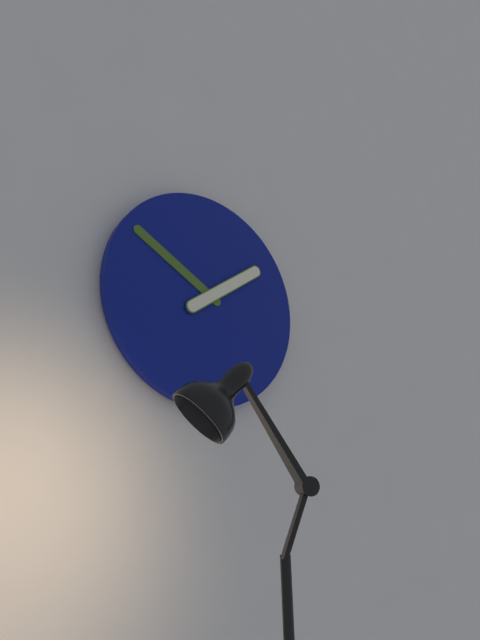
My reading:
h=1 m=50
